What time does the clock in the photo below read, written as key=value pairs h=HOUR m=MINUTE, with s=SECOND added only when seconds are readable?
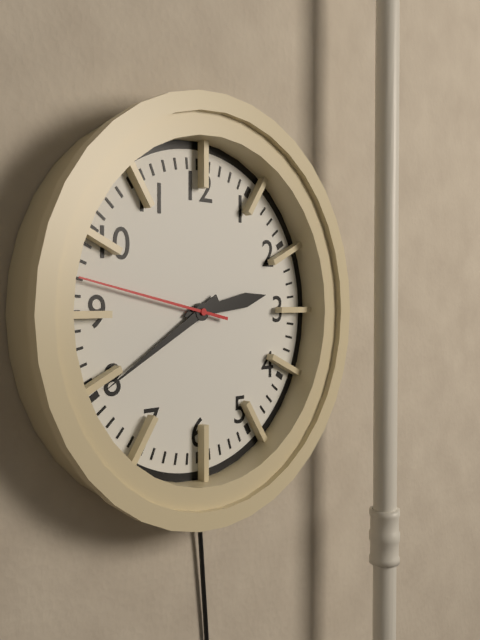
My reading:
h=2 m=40 s=47
